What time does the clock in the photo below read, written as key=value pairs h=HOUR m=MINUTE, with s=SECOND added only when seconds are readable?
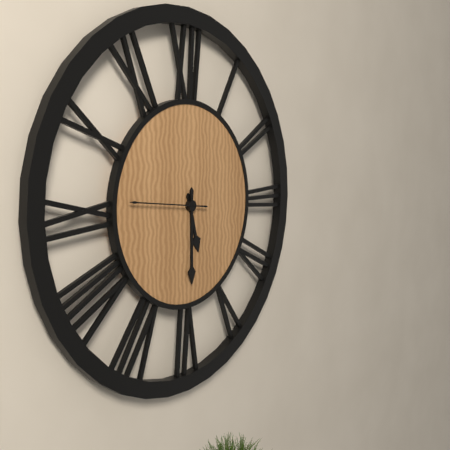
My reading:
h=5 m=30 s=46
